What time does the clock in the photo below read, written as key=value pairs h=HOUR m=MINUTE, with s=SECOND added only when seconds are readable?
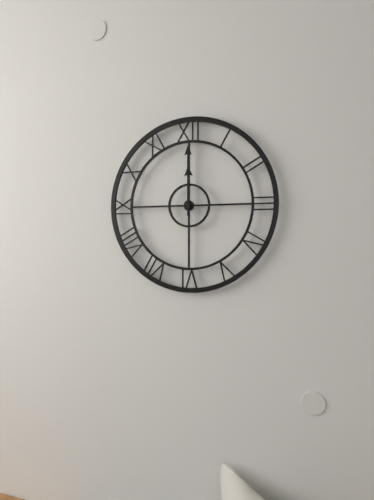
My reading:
h=12 m=0
